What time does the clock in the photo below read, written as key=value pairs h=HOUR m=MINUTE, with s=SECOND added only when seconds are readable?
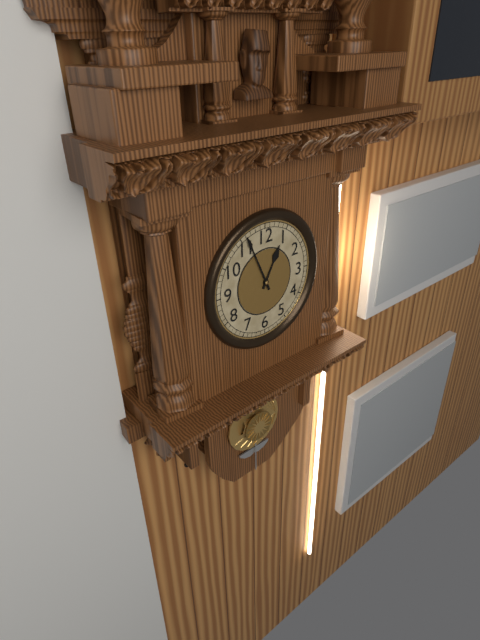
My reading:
h=12 m=56
